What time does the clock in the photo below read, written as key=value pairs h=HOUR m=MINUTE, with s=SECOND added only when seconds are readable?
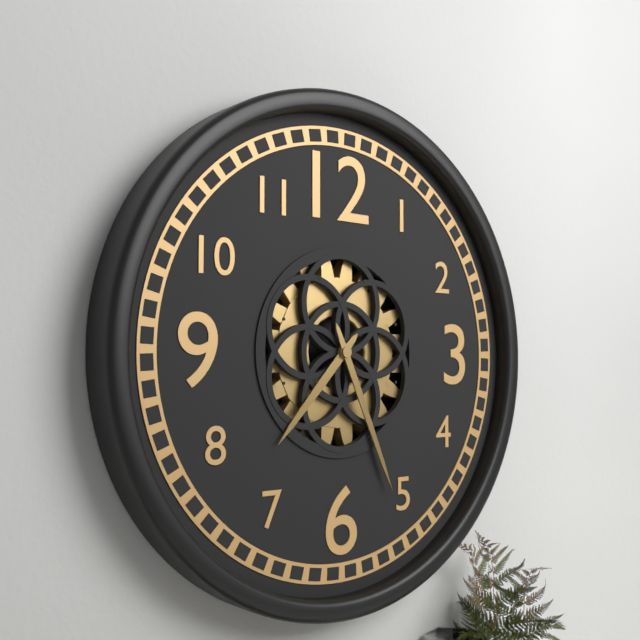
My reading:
h=7 m=26
